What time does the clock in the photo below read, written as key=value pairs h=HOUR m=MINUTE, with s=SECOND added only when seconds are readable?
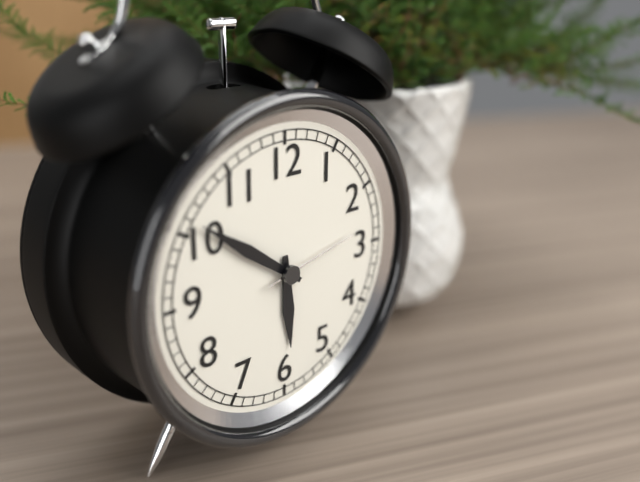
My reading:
h=5 m=51 s=13
